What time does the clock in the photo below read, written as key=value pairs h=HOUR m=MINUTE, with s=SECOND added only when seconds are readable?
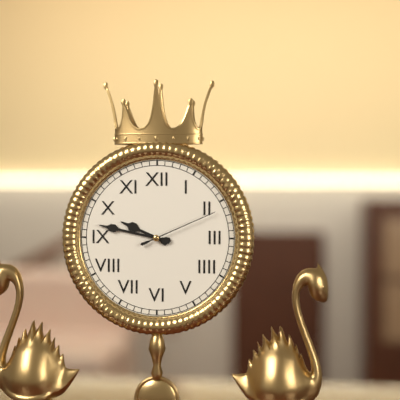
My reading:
h=9 m=47 s=11
